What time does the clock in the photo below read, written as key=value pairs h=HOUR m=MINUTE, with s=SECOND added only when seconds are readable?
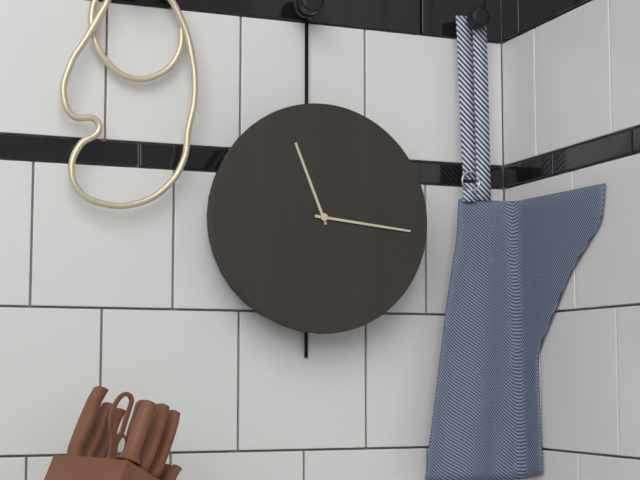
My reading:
h=11 m=16
